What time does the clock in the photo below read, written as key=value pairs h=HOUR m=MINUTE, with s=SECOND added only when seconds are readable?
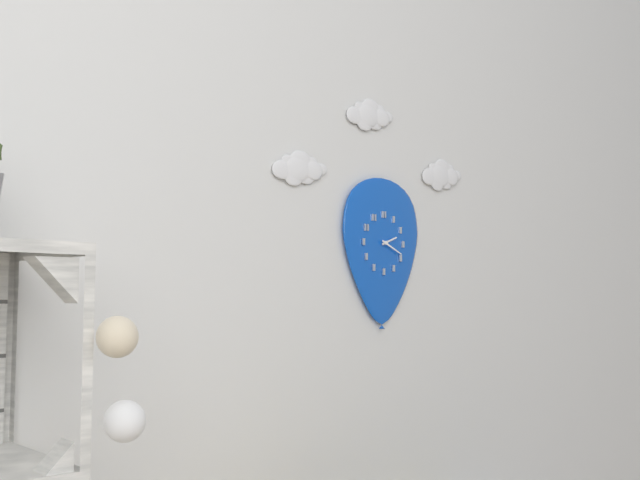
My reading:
h=2 m=19
